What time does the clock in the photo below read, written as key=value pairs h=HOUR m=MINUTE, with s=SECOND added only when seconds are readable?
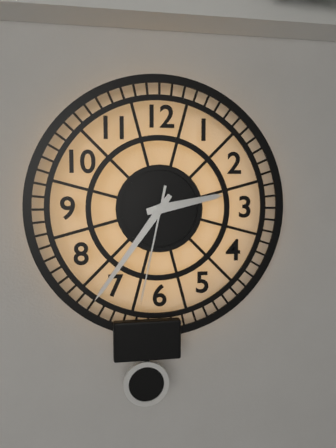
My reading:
h=2 m=36 s=32
